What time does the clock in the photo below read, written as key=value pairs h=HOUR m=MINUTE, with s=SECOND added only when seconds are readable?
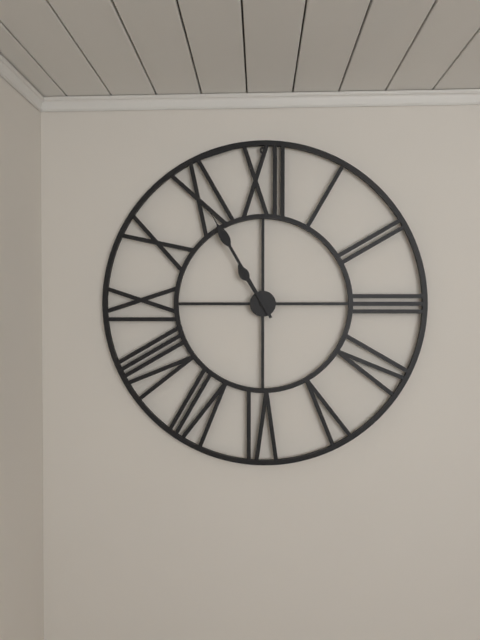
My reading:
h=10 m=55
